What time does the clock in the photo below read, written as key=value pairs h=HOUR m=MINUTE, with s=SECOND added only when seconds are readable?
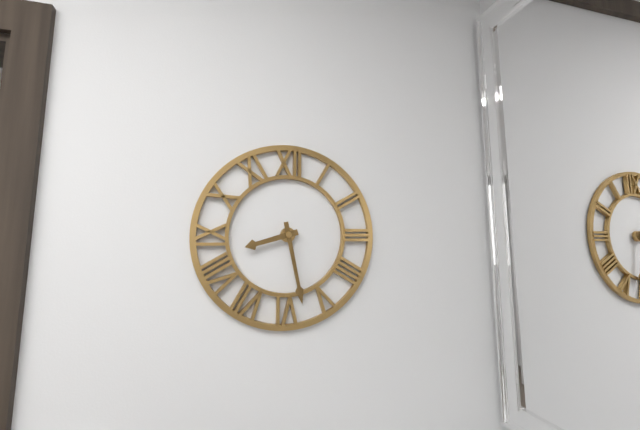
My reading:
h=8 m=28
